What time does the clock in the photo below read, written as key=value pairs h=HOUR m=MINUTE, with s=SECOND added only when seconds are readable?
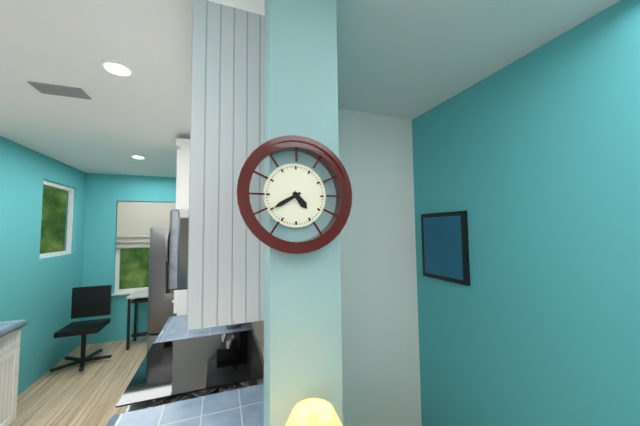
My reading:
h=4 m=40
